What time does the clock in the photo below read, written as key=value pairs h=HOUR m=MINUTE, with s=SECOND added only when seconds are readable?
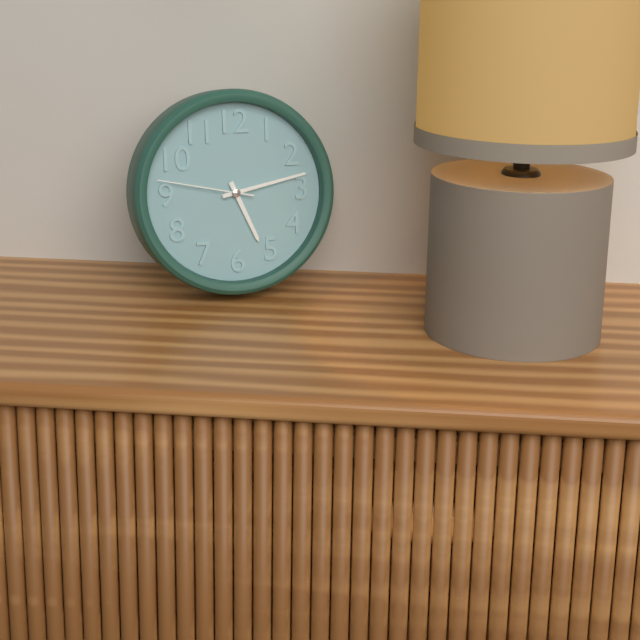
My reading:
h=5 m=13 s=47
